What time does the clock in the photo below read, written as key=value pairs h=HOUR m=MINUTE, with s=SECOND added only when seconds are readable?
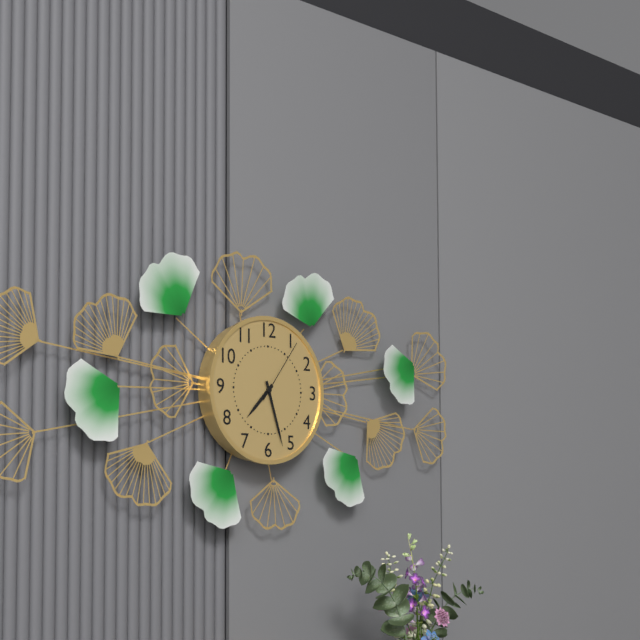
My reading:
h=7 m=27 s=6
